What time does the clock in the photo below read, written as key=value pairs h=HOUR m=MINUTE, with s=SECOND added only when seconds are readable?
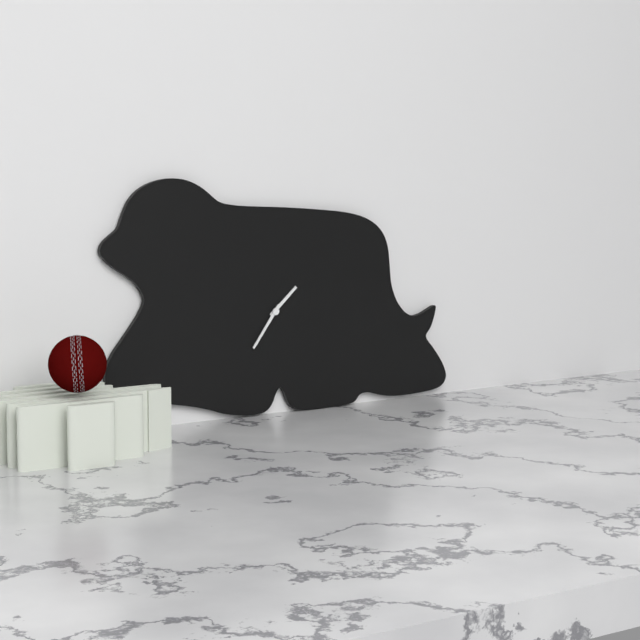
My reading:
h=1 m=36
